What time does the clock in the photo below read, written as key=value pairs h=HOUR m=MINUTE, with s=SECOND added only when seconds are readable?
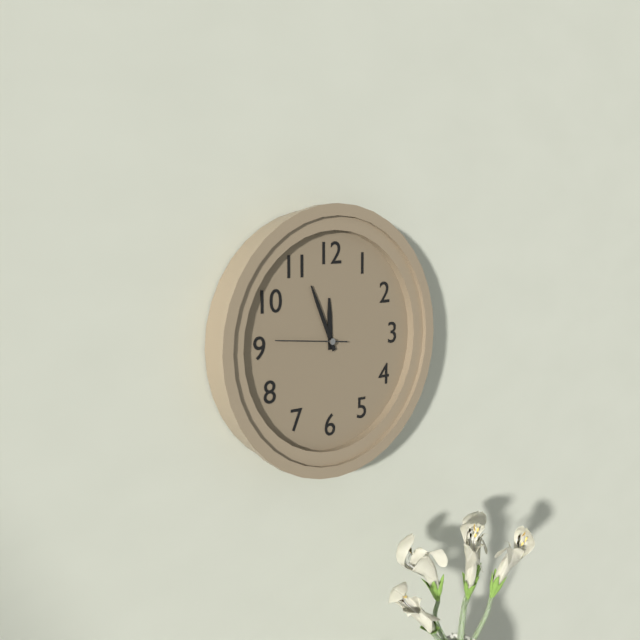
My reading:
h=11 m=56 s=46
